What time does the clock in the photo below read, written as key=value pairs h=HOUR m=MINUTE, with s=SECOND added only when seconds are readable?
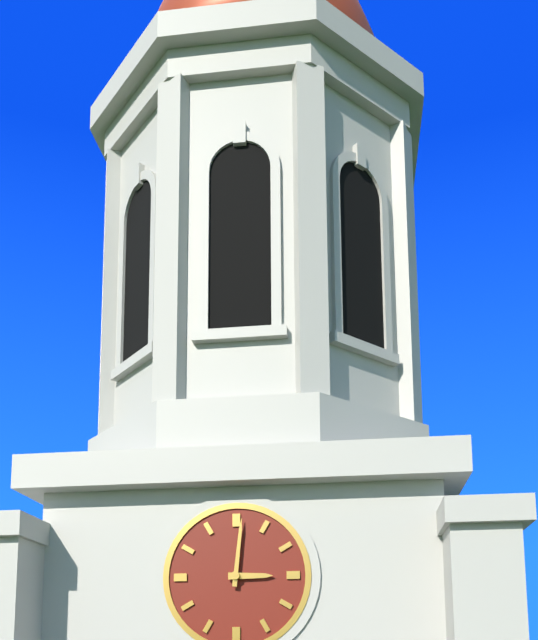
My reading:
h=3 m=1
